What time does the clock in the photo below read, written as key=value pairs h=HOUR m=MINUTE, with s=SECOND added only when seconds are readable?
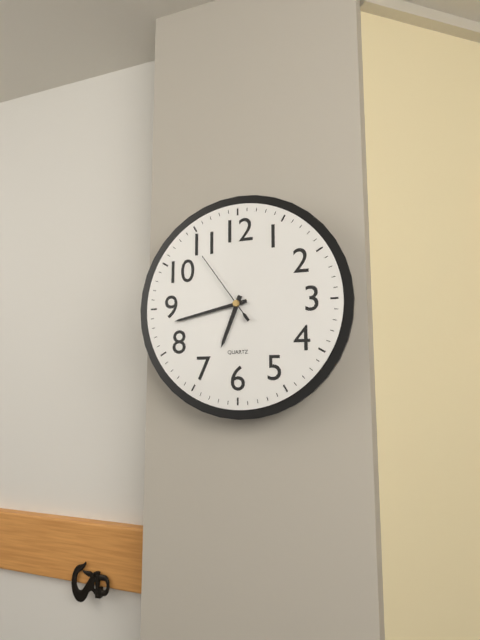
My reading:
h=6 m=43 s=54
